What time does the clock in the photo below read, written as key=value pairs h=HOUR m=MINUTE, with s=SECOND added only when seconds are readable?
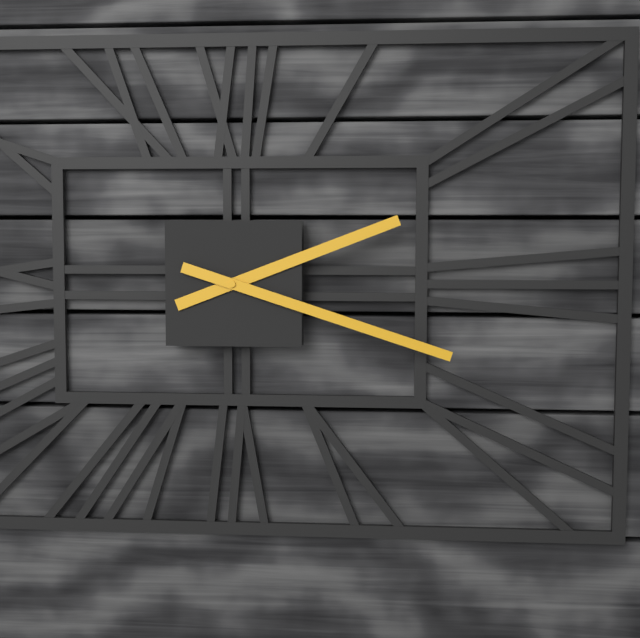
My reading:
h=2 m=18
